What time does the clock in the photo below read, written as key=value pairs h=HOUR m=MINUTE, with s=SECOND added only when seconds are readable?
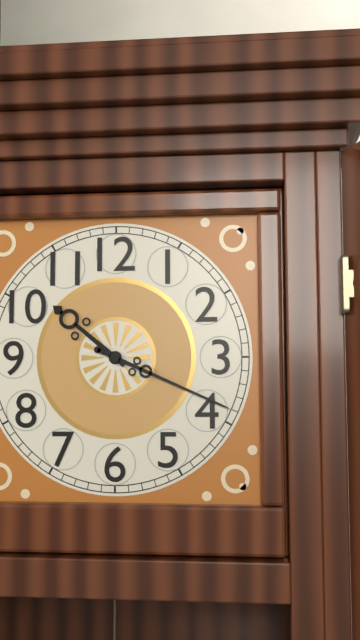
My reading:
h=10 m=19
